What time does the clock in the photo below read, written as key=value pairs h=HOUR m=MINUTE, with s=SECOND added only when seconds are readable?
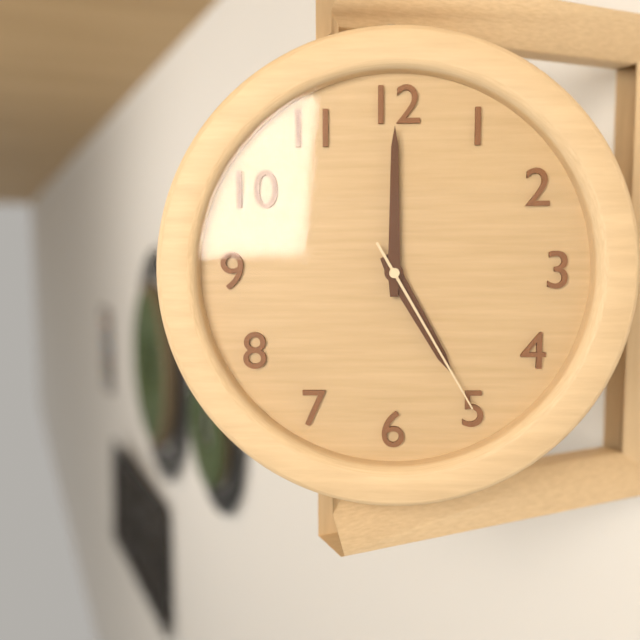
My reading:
h=5 m=0 s=25
